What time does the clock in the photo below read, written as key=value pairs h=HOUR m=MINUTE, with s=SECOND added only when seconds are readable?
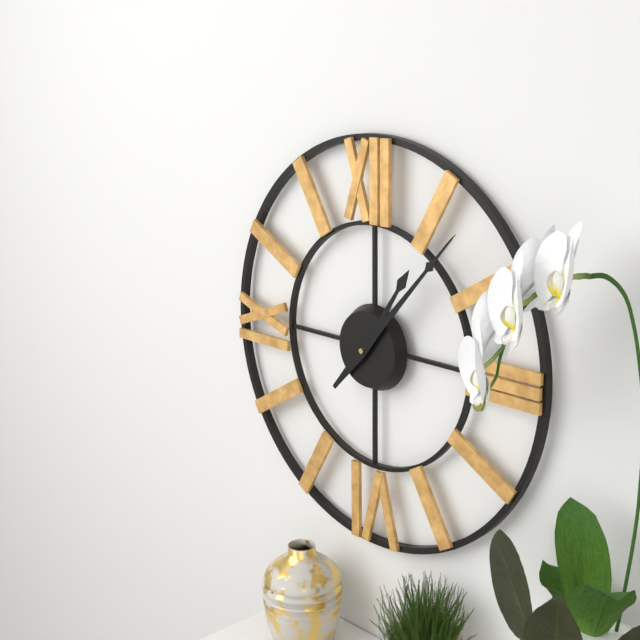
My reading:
h=1 m=7
